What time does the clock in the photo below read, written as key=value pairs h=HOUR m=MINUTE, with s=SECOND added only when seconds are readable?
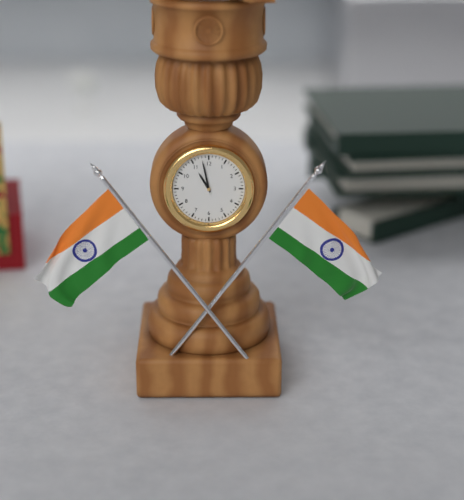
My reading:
h=10 m=58
